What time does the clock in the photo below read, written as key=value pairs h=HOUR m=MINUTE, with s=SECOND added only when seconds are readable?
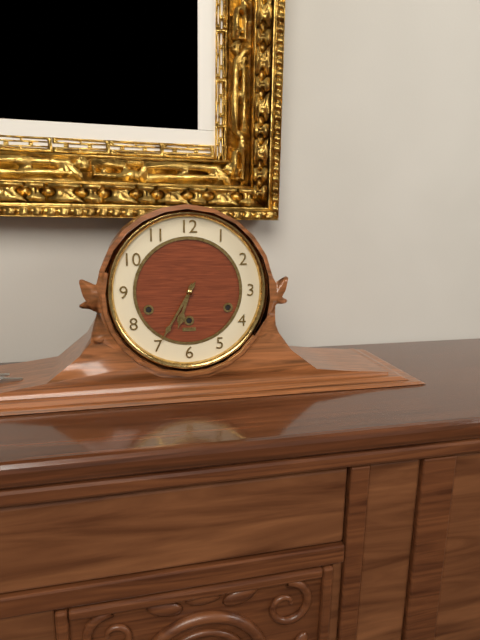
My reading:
h=6 m=35
